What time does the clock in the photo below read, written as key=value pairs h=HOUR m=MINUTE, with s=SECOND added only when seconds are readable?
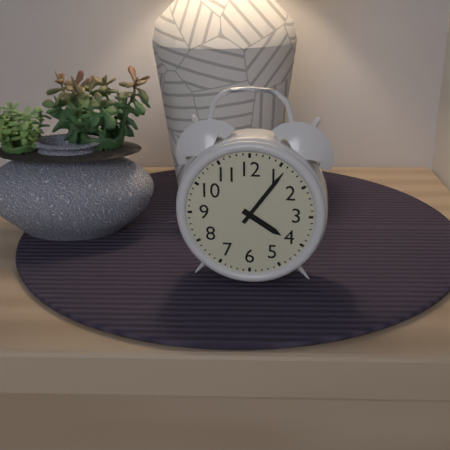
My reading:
h=4 m=6
